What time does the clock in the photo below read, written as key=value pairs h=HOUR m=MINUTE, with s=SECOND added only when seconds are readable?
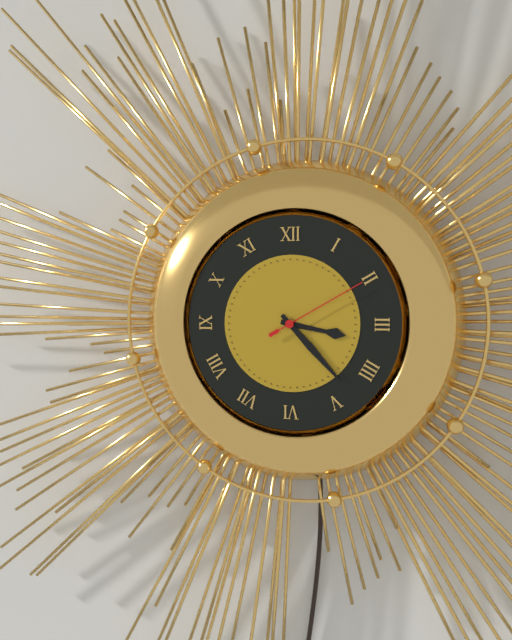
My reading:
h=3 m=23 s=10
